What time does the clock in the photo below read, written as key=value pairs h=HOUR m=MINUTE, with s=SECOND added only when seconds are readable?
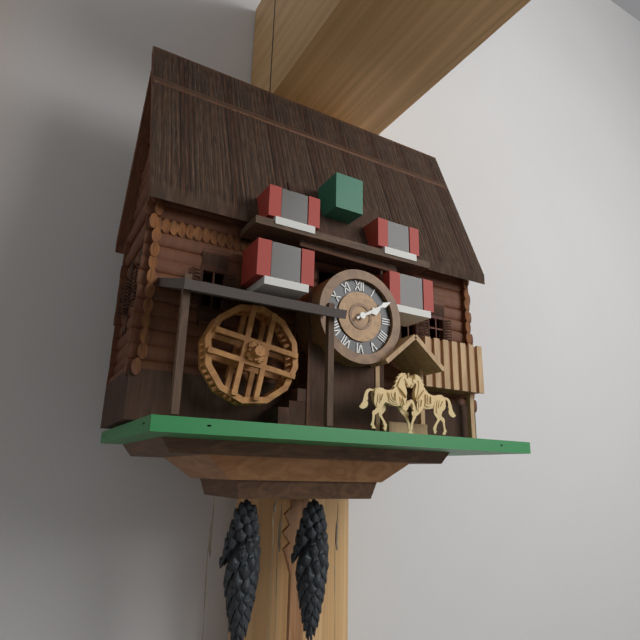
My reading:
h=2 m=10
